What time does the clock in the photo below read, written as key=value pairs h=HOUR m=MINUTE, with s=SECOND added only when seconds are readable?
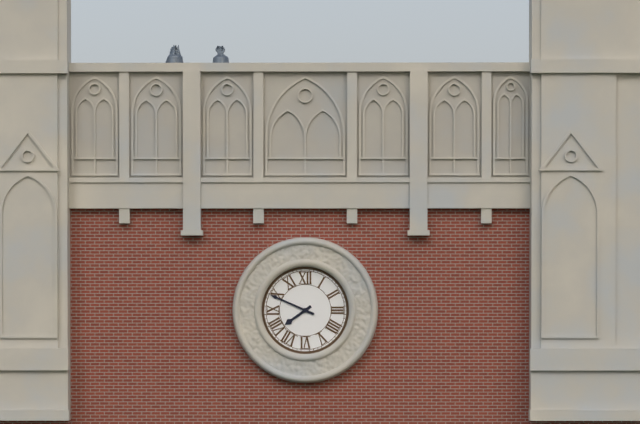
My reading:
h=7 m=49
